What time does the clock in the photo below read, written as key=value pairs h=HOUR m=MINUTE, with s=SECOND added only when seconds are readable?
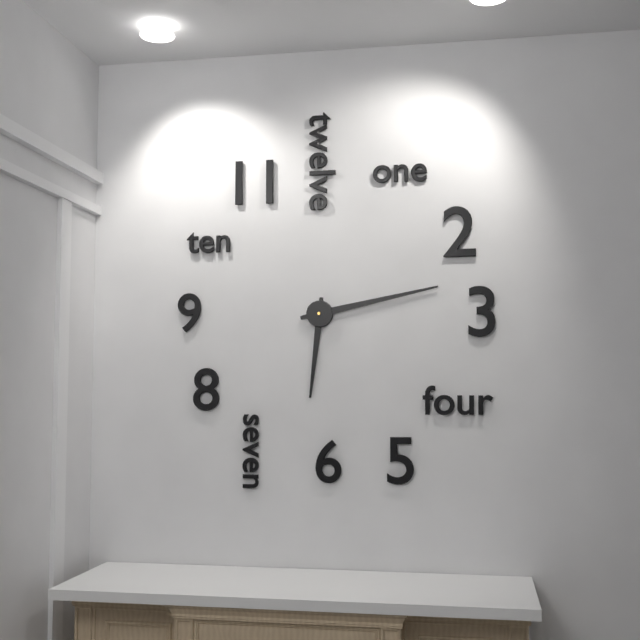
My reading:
h=6 m=13
